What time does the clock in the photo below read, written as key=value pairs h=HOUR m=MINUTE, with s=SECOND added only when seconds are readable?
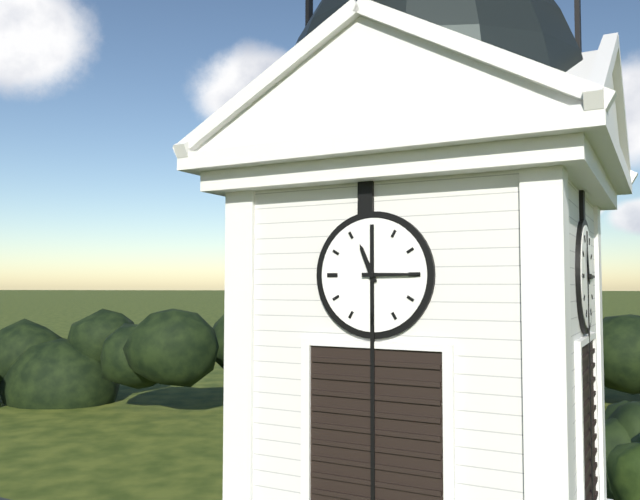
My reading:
h=11 m=15
